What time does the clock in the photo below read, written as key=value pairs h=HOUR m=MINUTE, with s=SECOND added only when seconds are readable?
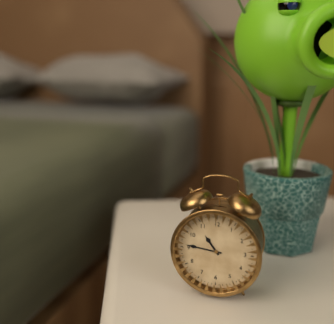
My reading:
h=10 m=46
